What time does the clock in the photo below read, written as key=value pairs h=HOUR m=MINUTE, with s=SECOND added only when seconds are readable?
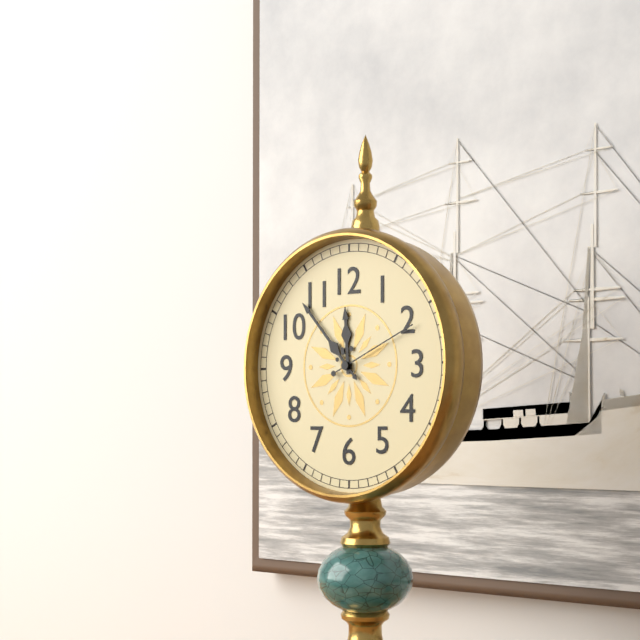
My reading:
h=11 m=53 s=11
